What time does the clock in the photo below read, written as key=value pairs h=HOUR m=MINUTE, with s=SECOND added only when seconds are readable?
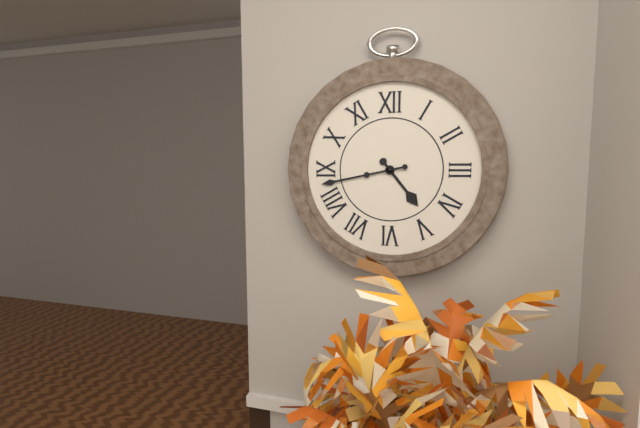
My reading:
h=4 m=43
